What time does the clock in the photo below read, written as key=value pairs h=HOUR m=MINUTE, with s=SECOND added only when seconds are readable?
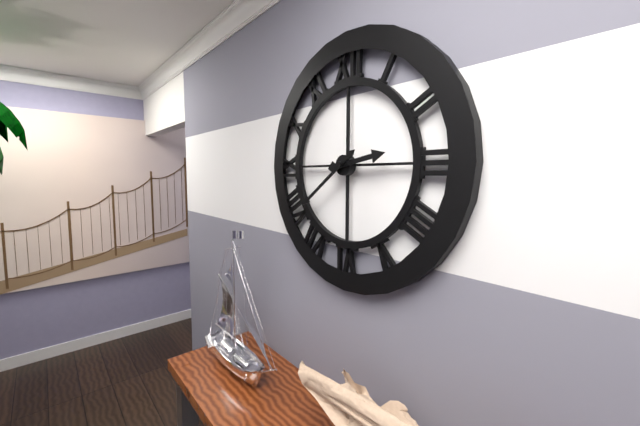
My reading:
h=2 m=39
